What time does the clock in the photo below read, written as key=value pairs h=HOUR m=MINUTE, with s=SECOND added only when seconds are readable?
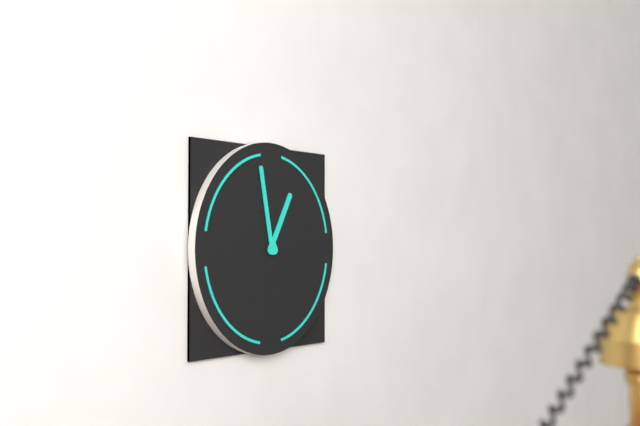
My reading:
h=12 m=58
